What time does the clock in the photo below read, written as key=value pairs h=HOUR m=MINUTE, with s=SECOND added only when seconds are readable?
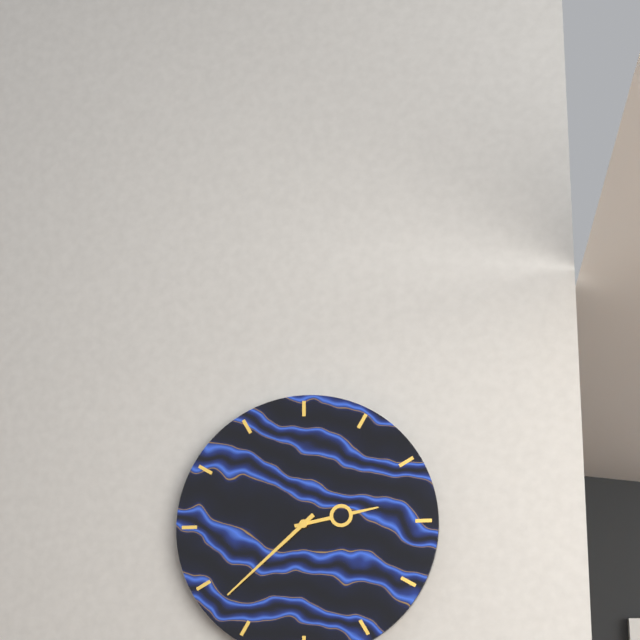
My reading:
h=2 m=38
